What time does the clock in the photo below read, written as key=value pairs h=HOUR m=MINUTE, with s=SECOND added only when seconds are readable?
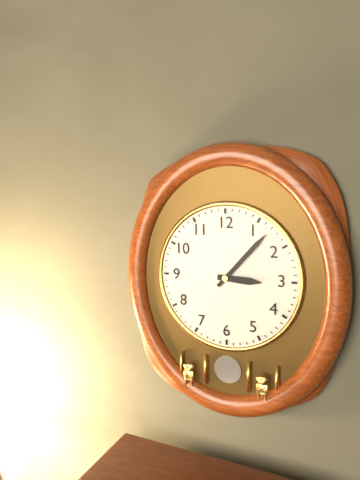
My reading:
h=3 m=7
